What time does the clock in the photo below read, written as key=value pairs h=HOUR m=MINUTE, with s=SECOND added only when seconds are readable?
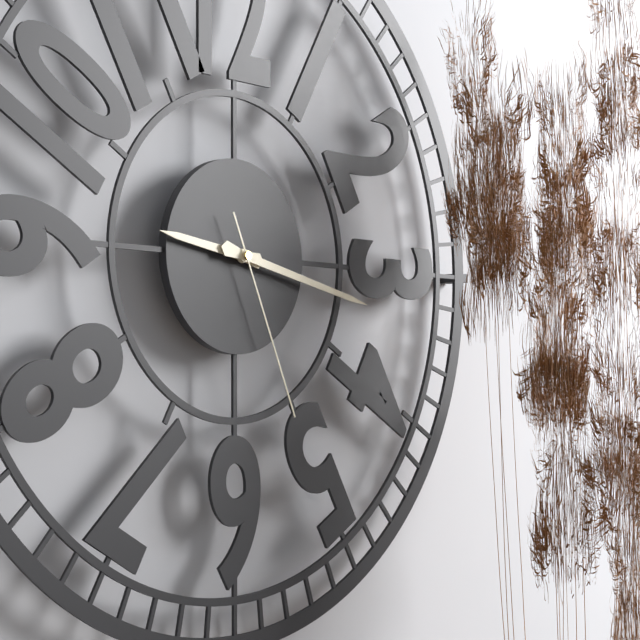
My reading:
h=9 m=17 s=26
